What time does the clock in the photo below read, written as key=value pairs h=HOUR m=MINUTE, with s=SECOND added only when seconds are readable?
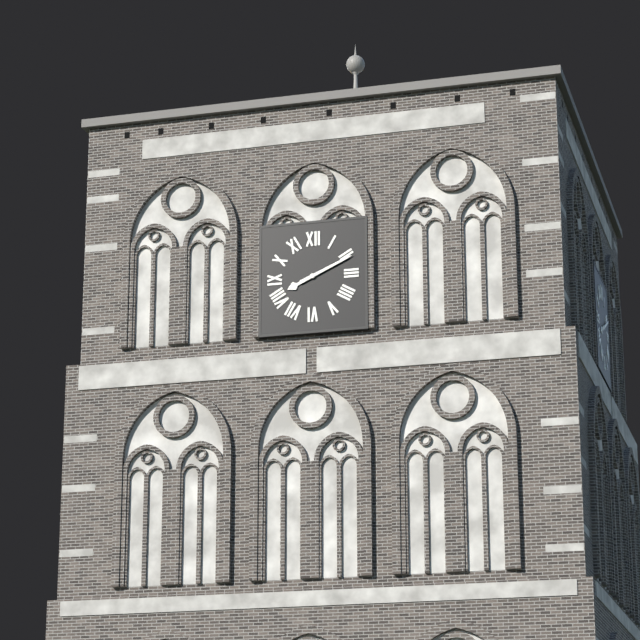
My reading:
h=8 m=11
